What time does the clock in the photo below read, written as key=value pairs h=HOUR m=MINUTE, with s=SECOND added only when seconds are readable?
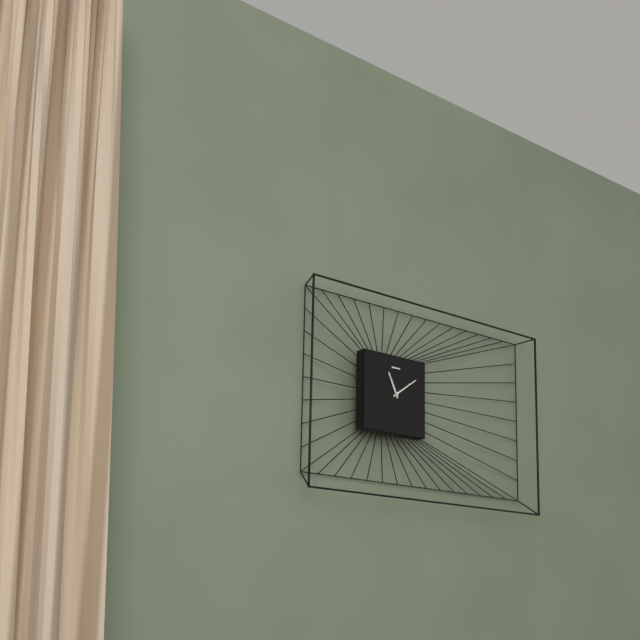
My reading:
h=11 m=9
